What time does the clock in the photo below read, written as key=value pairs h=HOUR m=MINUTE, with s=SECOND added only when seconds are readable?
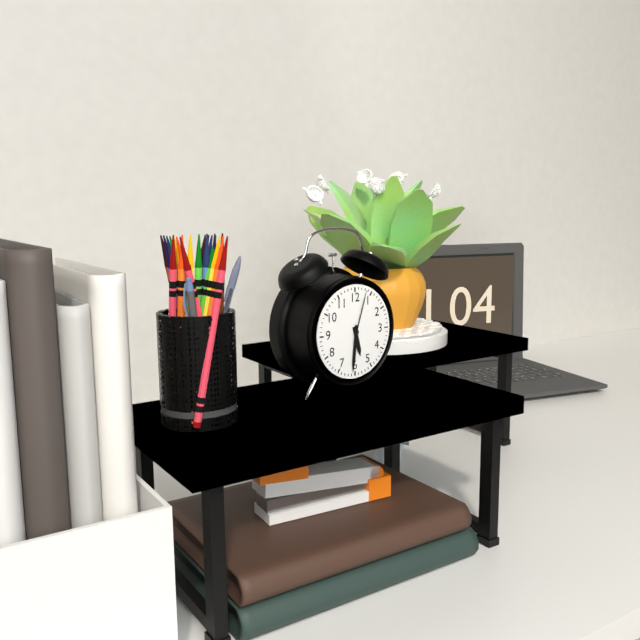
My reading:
h=5 m=31 s=3
